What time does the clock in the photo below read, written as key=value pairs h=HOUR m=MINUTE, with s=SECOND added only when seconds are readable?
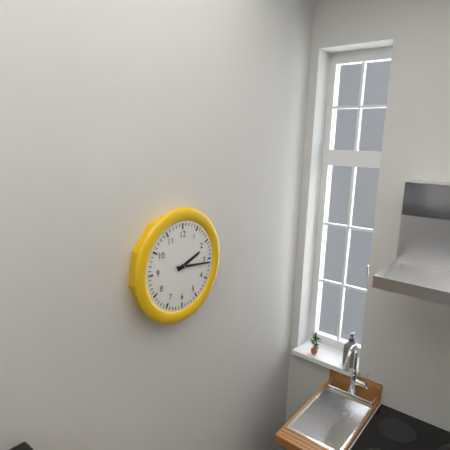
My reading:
h=2 m=16
